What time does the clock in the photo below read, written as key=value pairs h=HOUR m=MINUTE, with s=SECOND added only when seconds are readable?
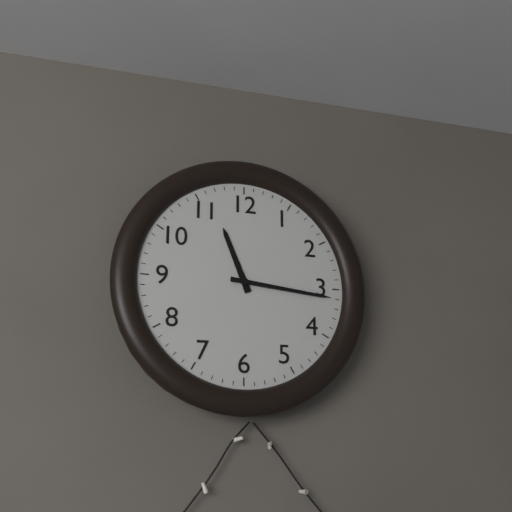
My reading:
h=11 m=16
